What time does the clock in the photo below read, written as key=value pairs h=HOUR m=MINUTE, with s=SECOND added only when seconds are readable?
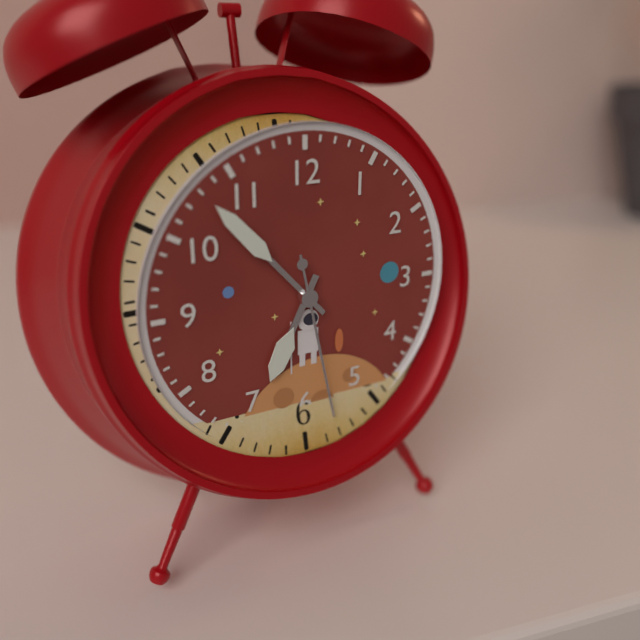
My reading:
h=6 m=53 s=28
